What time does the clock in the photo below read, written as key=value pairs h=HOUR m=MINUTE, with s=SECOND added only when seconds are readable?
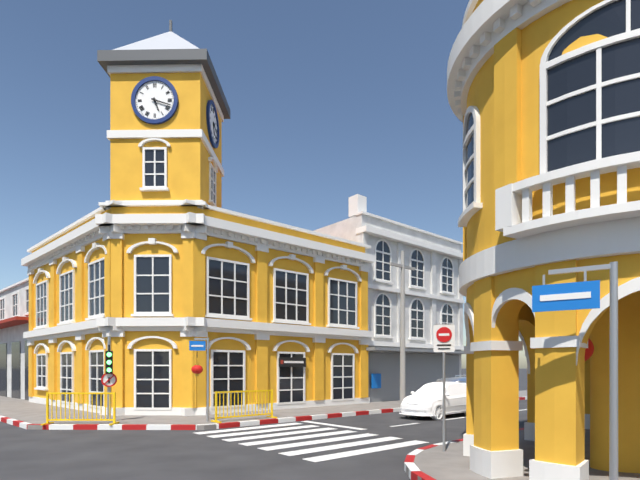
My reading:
h=5 m=18
